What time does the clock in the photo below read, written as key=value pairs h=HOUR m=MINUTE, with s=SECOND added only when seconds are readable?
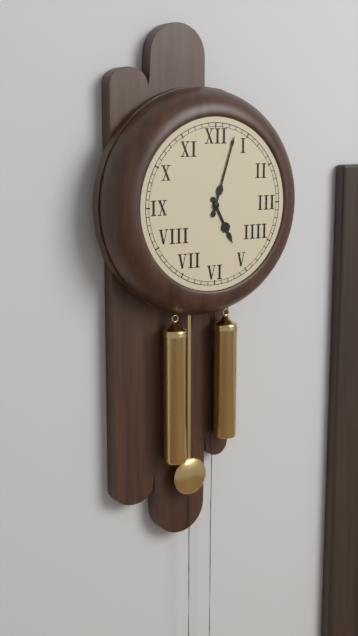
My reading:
h=5 m=3
